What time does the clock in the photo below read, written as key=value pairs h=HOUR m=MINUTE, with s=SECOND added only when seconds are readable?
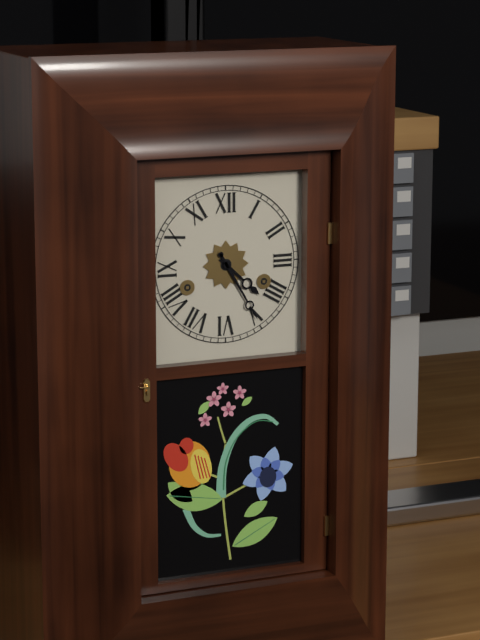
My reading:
h=4 m=25
